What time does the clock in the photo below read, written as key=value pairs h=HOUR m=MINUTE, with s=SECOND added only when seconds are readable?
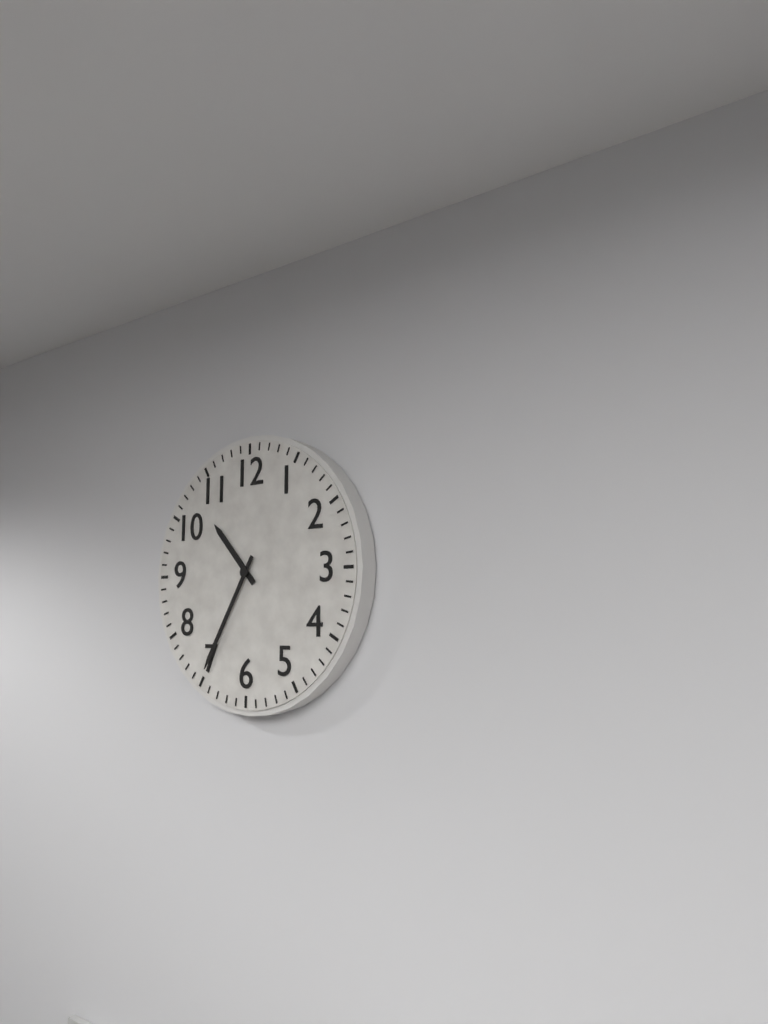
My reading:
h=10 m=35
